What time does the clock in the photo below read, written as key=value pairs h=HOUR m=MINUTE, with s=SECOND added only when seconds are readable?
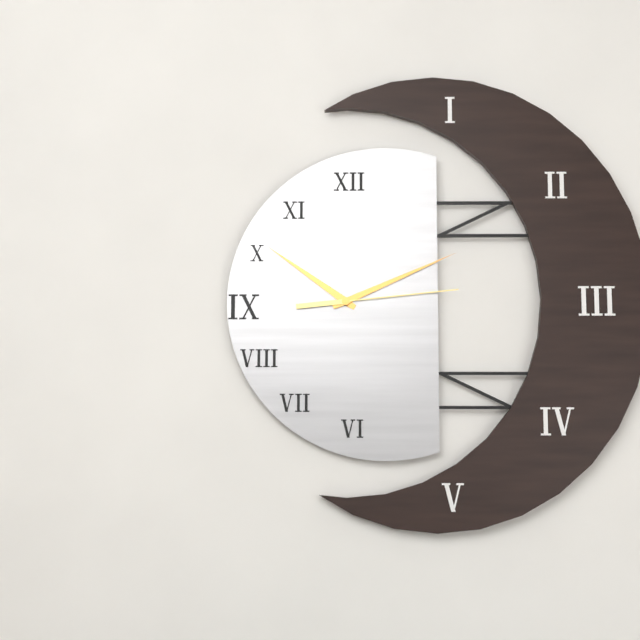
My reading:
h=10 m=11 s=14
